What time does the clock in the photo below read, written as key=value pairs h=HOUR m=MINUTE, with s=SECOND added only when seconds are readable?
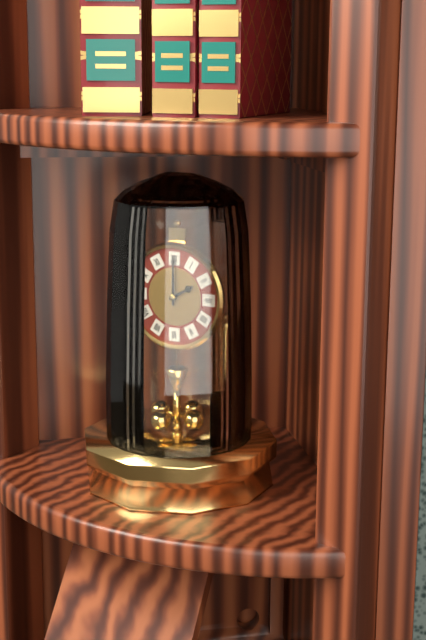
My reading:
h=2 m=0
